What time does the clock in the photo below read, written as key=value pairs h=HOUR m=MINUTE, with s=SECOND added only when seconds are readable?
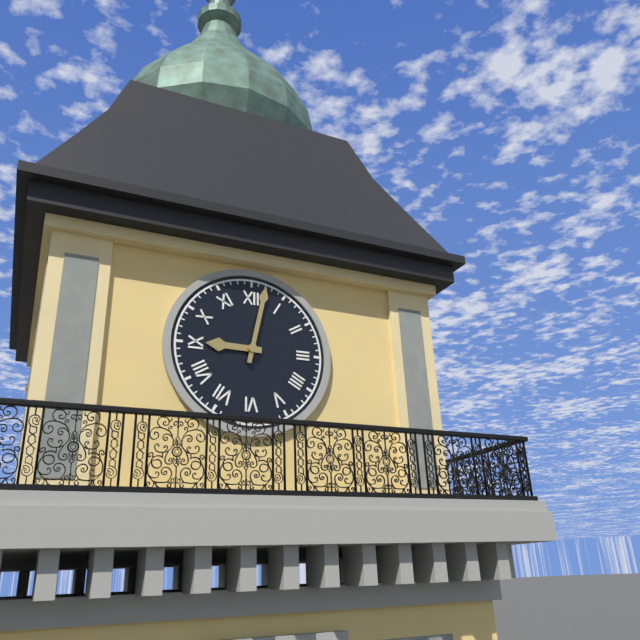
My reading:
h=9 m=2
